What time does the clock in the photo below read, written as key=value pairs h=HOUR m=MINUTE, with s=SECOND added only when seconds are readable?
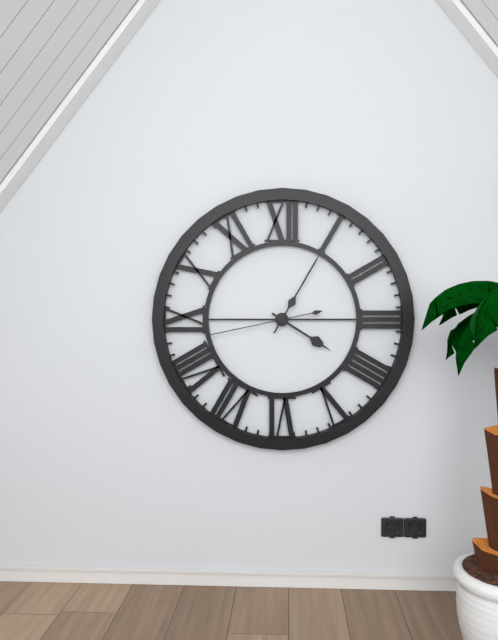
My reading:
h=4 m=5 s=43
